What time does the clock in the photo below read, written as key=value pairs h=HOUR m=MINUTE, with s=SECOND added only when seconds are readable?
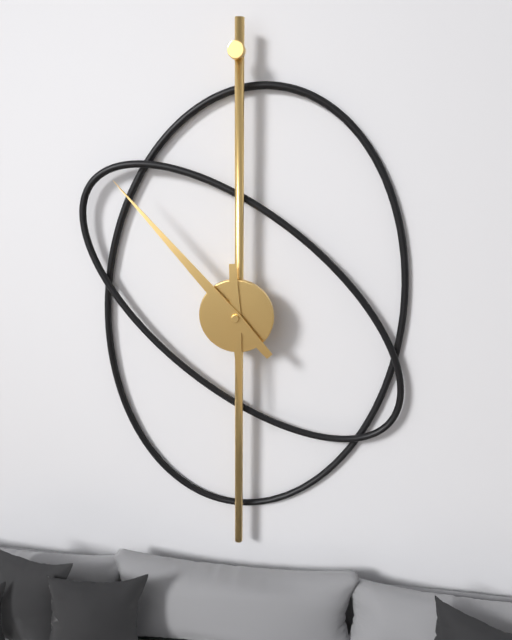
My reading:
h=5 m=53
